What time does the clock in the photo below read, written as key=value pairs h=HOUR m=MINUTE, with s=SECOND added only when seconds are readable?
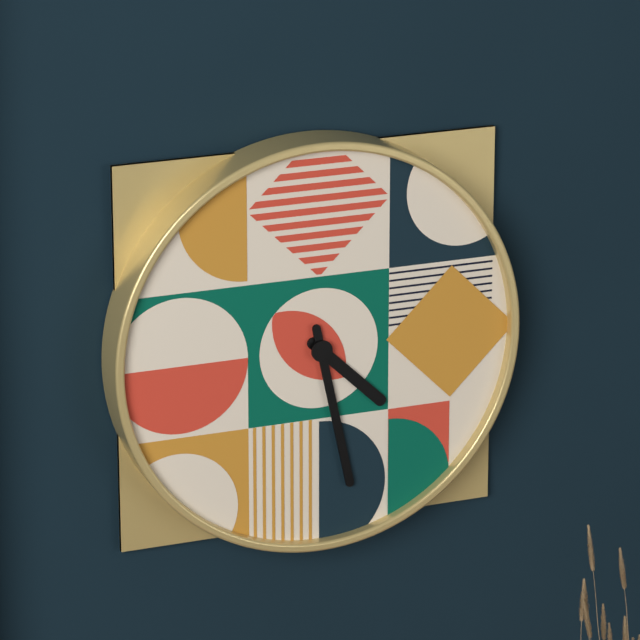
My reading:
h=4 m=28
